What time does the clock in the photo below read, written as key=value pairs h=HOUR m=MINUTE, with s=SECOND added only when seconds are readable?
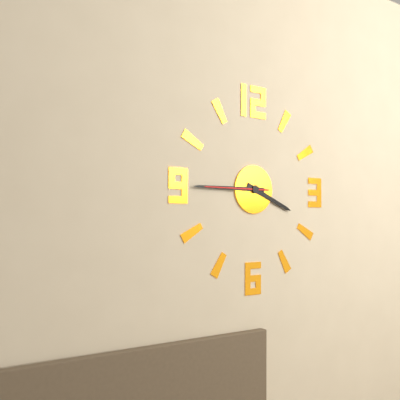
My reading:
h=3 m=45 s=45
